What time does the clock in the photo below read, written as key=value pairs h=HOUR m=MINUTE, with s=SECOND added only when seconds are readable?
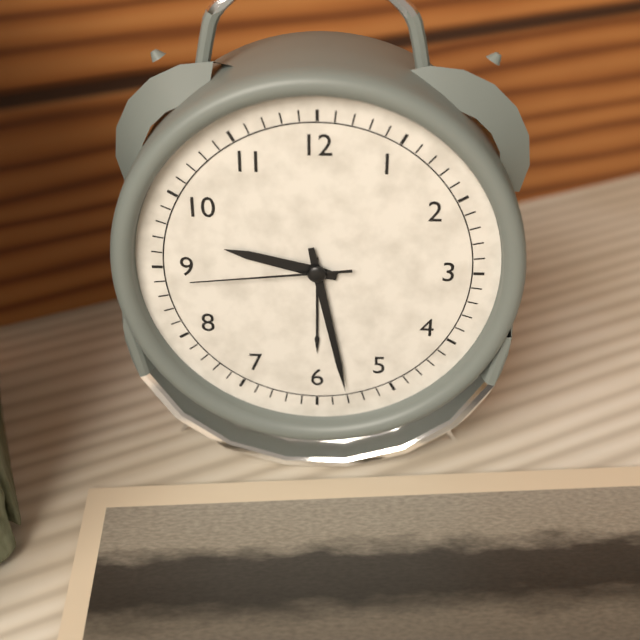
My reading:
h=9 m=28 s=44
